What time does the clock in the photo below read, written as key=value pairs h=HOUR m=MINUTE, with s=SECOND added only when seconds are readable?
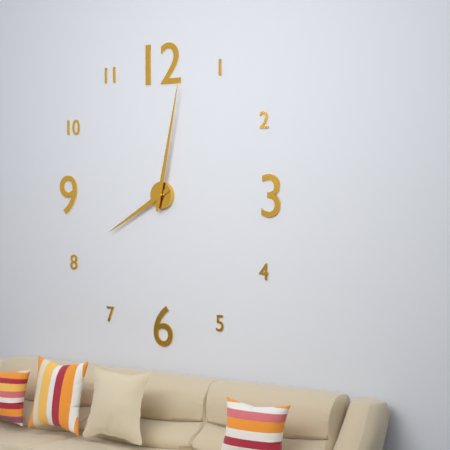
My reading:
h=8 m=2
